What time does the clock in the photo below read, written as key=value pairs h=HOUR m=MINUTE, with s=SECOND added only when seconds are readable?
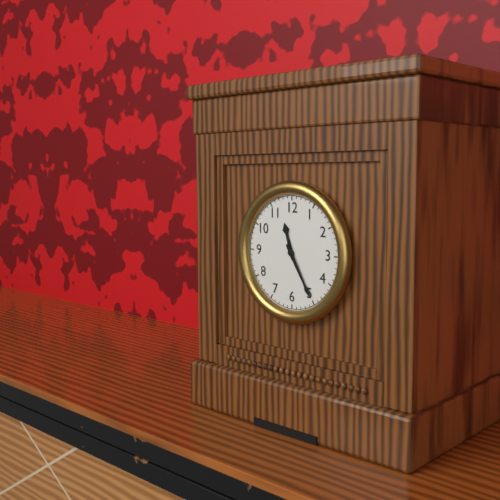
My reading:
h=11 m=25
